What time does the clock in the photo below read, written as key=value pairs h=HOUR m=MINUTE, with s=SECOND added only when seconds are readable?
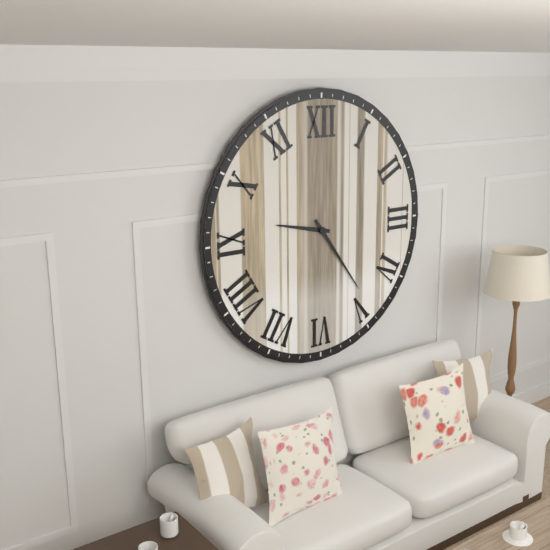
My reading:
h=9 m=24
